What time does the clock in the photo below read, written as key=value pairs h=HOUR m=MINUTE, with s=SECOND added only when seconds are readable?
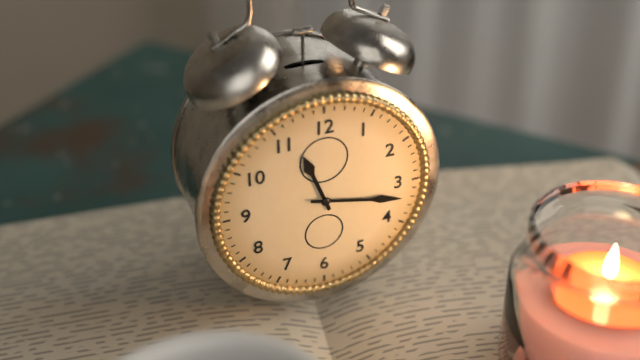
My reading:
h=11 m=17
